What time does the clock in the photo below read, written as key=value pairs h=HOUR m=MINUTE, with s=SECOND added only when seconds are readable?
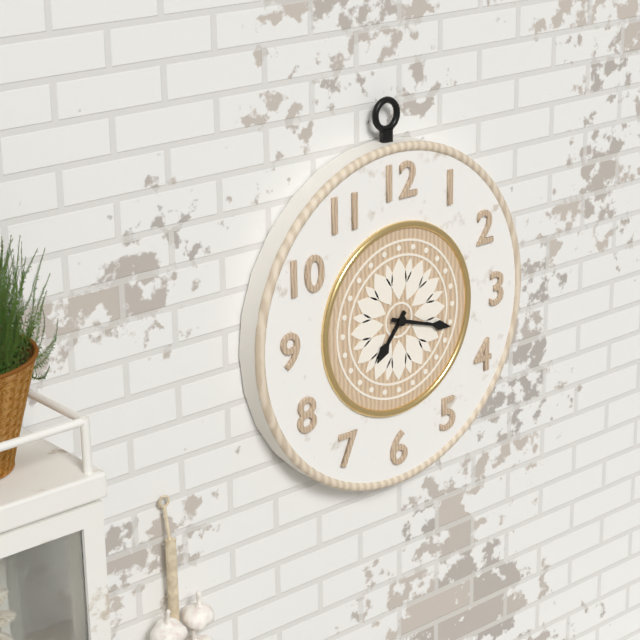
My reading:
h=7 m=18
